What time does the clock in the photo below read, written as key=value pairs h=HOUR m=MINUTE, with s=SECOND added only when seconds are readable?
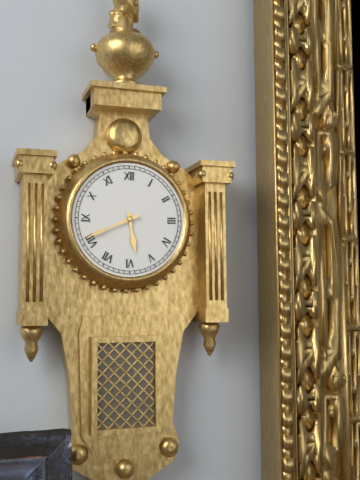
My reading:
h=5 m=41
